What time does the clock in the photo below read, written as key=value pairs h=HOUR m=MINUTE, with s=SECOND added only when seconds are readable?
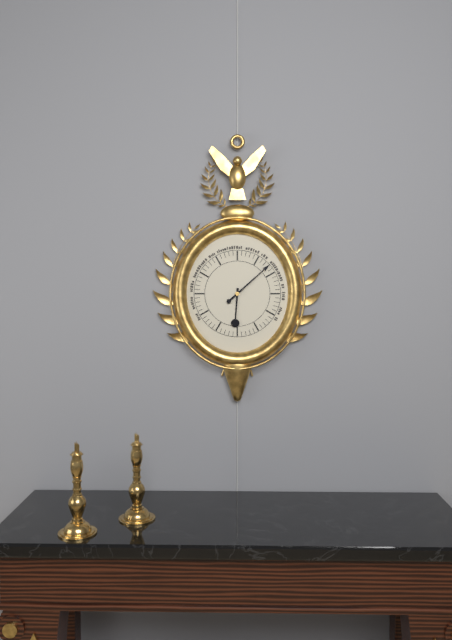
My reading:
h=6 m=8
